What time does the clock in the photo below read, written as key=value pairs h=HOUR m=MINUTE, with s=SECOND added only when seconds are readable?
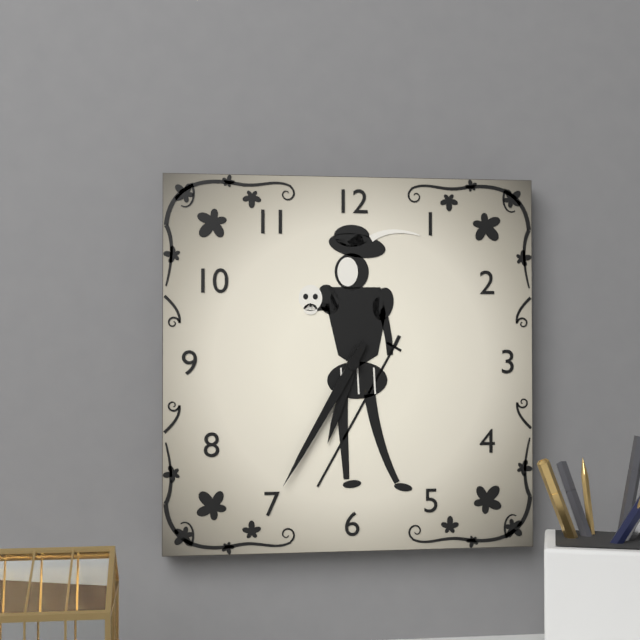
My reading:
h=6 m=35
